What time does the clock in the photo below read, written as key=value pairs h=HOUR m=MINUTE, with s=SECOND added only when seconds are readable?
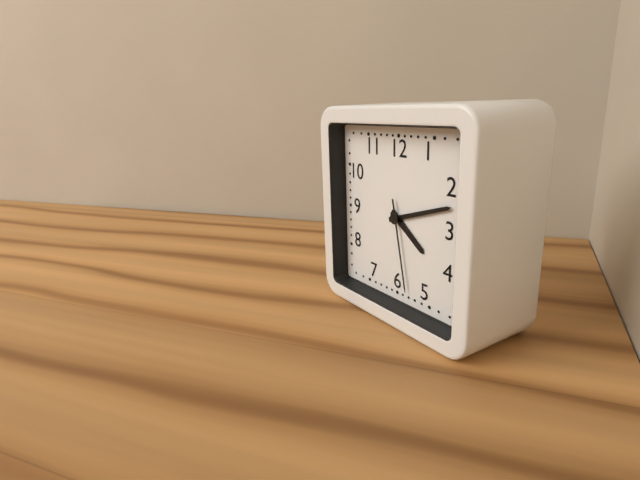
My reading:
h=4 m=12 s=28
